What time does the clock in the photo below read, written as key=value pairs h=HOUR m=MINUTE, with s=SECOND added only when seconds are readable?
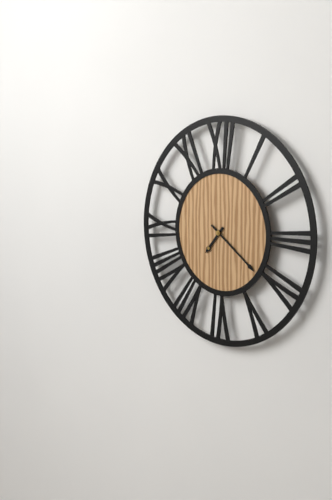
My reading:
h=7 m=21
